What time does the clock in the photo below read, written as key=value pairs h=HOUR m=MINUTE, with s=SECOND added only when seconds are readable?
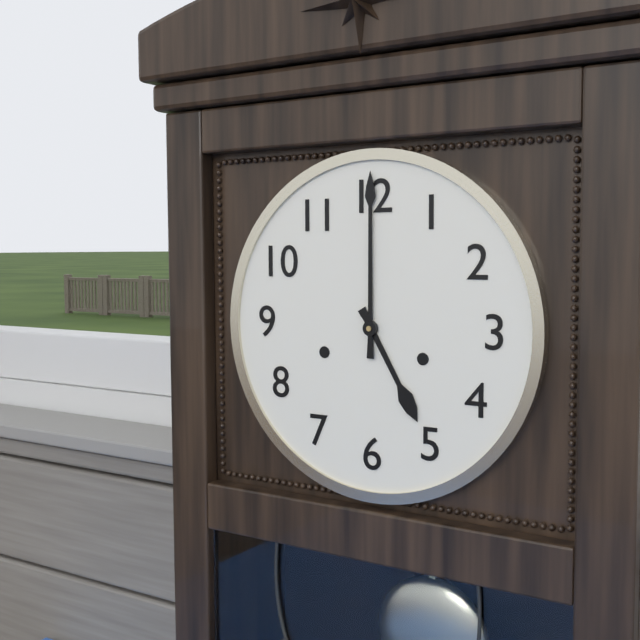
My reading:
h=5 m=0
